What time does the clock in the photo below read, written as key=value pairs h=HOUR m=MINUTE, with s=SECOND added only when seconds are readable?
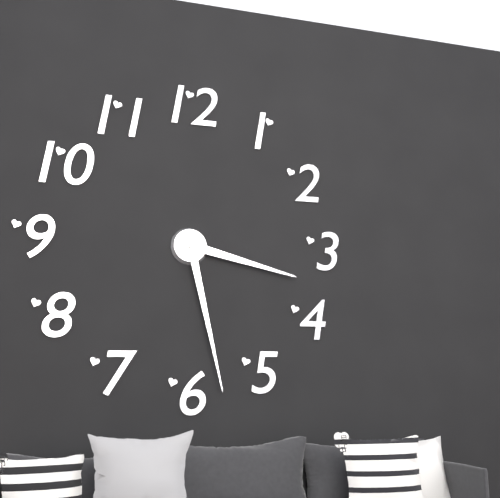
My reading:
h=3 m=28
